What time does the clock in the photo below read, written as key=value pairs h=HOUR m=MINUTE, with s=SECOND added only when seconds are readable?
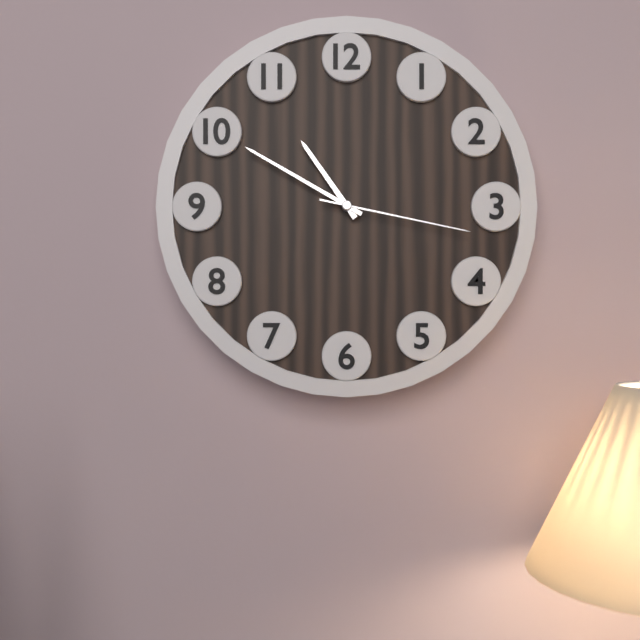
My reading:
h=10 m=50 s=17
